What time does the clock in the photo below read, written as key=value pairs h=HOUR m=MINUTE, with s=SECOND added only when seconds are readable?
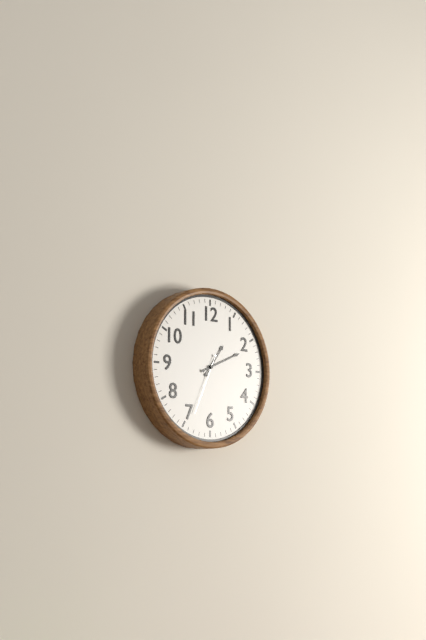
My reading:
h=1 m=11 s=34
